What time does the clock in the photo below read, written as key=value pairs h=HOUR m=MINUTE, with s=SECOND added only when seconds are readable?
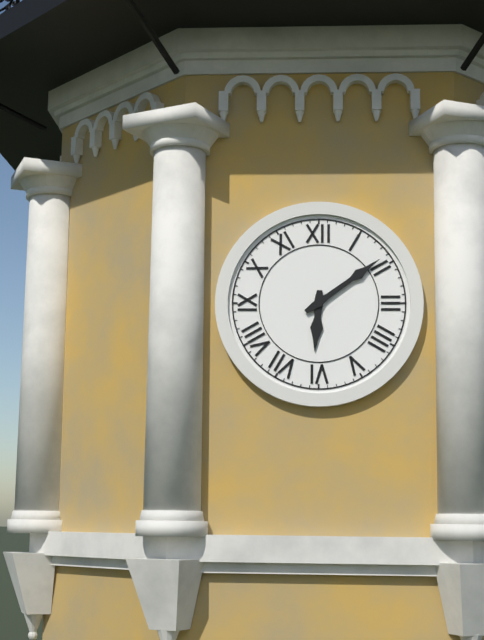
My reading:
h=6 m=9
